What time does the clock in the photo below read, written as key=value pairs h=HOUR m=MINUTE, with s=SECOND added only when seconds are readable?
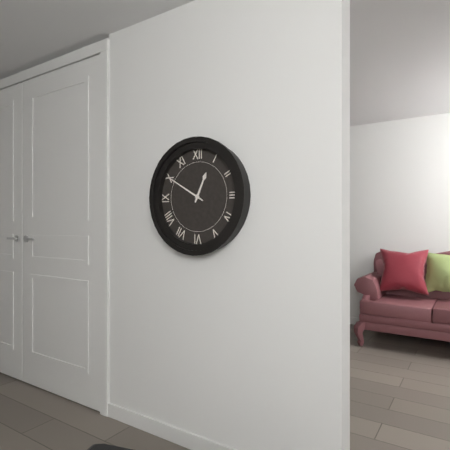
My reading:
h=12 m=50
